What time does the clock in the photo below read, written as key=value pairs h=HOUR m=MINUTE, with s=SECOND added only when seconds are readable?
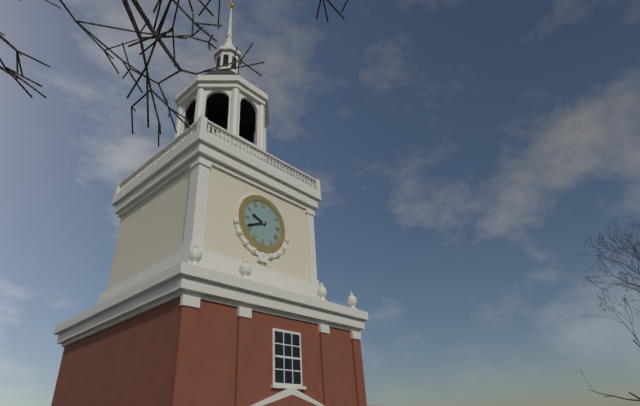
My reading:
h=9 m=41
